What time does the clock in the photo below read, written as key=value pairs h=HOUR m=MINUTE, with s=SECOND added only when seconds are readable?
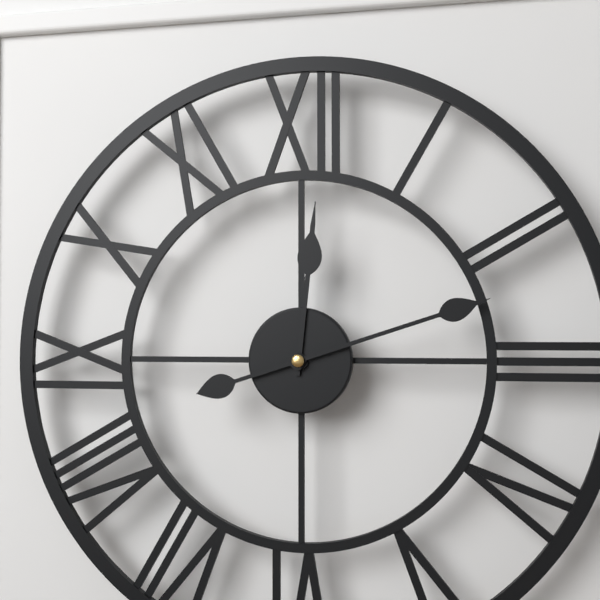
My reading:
h=12 m=12
